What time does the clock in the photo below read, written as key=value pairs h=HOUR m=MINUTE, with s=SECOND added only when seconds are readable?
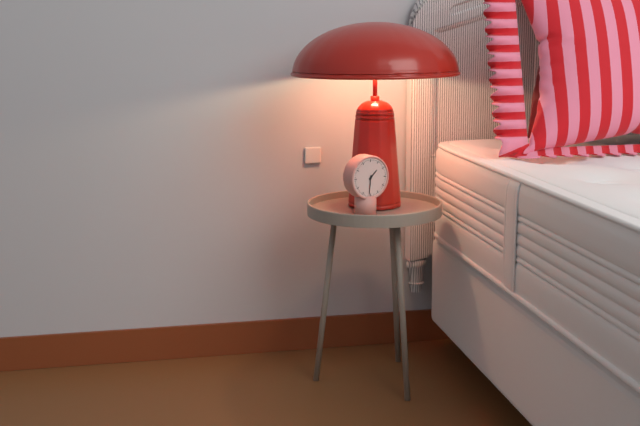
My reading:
h=1 m=31
